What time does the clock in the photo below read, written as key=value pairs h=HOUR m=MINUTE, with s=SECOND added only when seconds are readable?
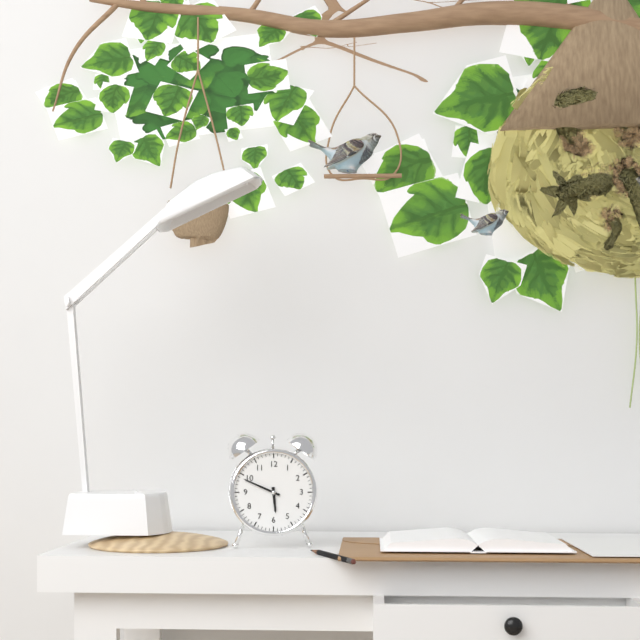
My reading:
h=5 m=49
